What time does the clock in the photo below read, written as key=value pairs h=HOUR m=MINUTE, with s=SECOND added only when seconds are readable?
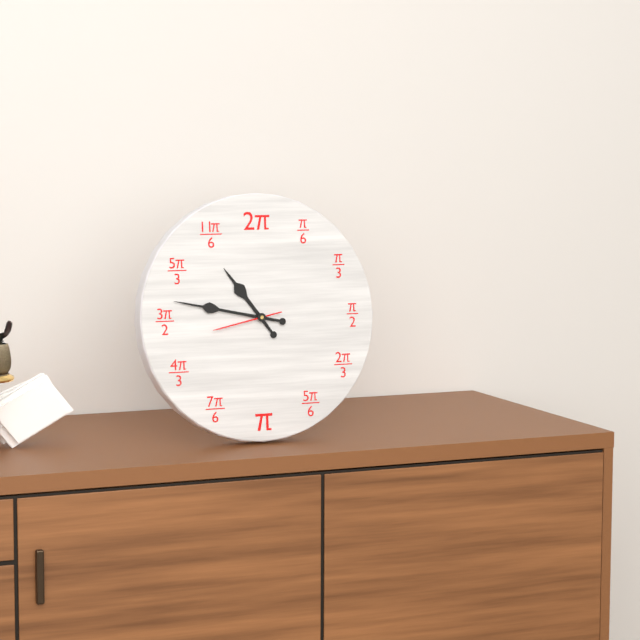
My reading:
h=10 m=47 s=43
